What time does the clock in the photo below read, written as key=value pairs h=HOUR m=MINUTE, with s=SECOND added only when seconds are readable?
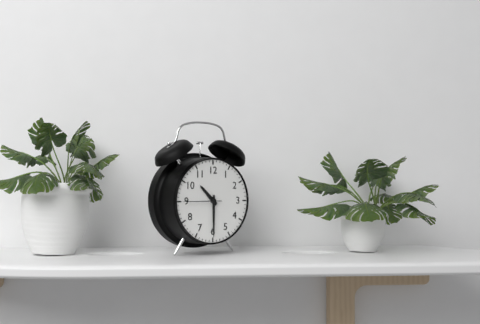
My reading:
h=10 m=30
